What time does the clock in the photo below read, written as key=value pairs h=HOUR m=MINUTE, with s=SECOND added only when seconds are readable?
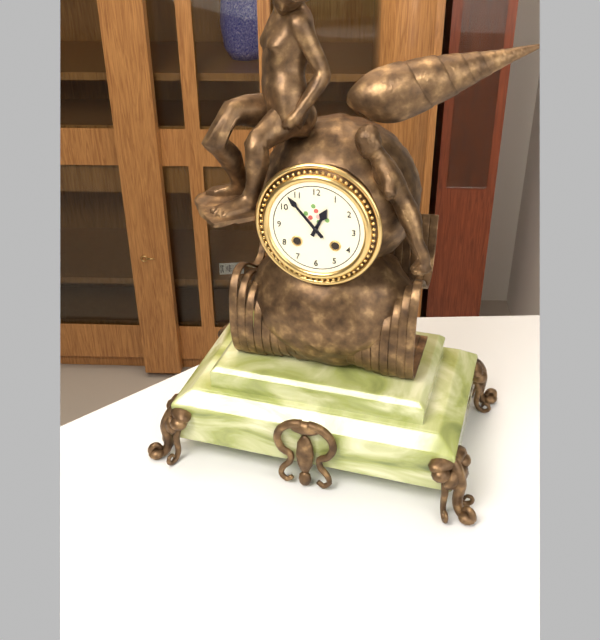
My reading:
h=12 m=53
